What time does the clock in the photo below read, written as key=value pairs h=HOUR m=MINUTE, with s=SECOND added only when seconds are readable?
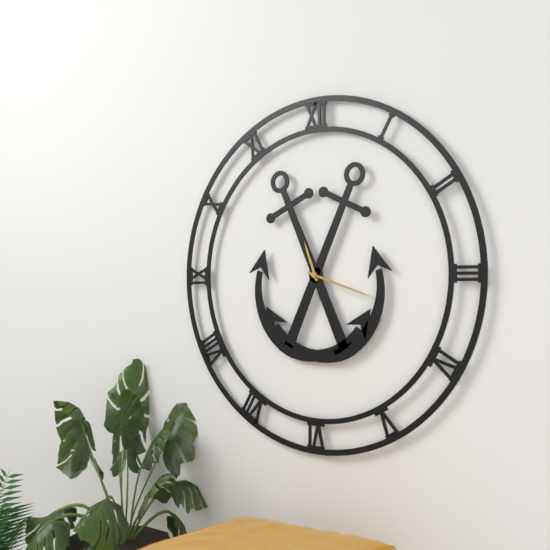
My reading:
h=11 m=18
